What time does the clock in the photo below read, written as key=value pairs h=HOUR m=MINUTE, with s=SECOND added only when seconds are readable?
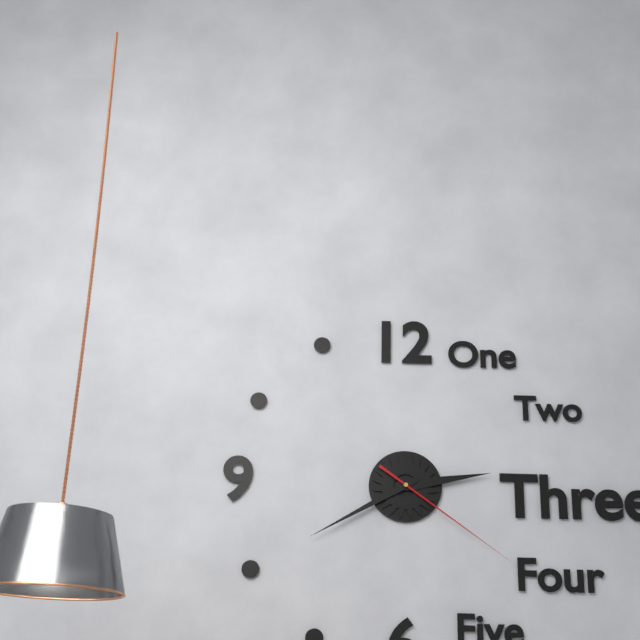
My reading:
h=2 m=40 s=21
